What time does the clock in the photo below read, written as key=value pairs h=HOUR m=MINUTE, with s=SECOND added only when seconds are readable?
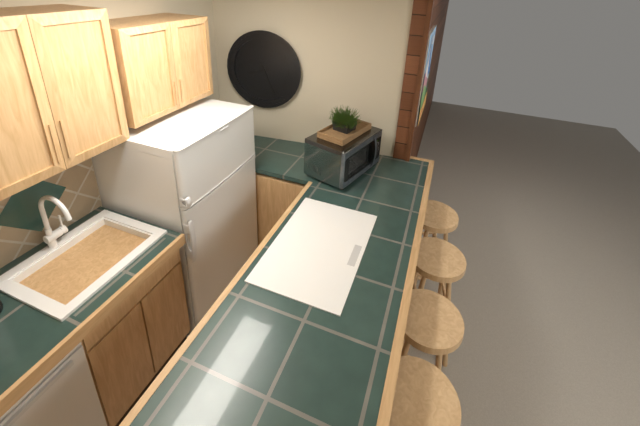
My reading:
h=8 m=26
